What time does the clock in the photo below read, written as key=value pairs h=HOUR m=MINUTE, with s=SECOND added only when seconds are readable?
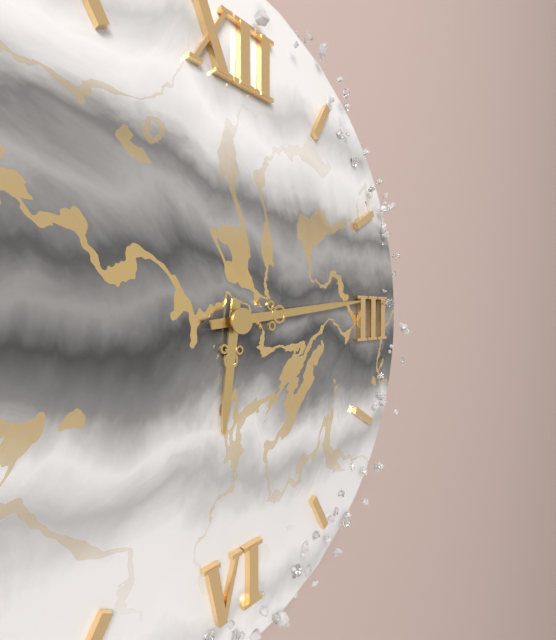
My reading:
h=6 m=14
